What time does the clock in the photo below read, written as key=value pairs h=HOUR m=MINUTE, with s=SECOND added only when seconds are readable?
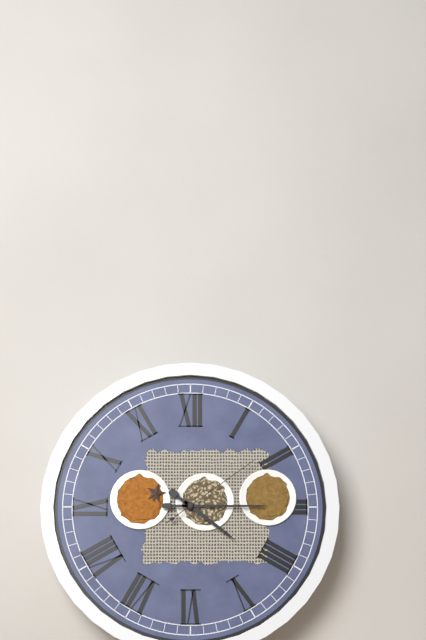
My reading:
h=4 m=15 s=9
